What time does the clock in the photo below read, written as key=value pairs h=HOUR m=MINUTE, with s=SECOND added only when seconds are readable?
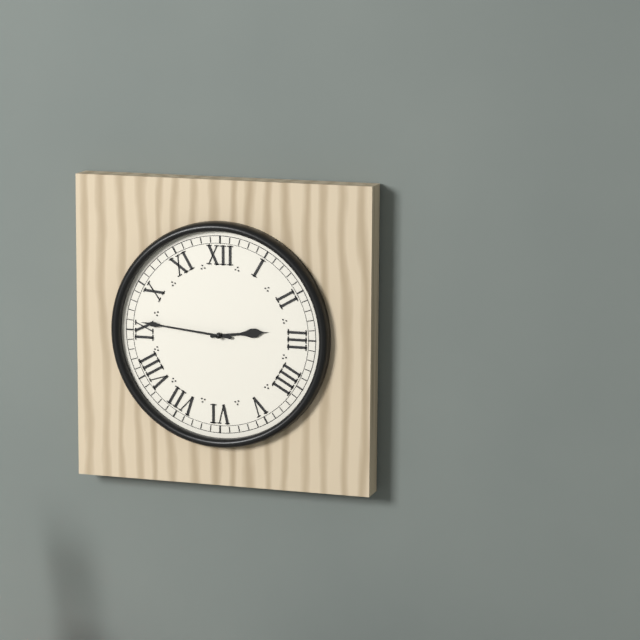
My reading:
h=2 m=46
